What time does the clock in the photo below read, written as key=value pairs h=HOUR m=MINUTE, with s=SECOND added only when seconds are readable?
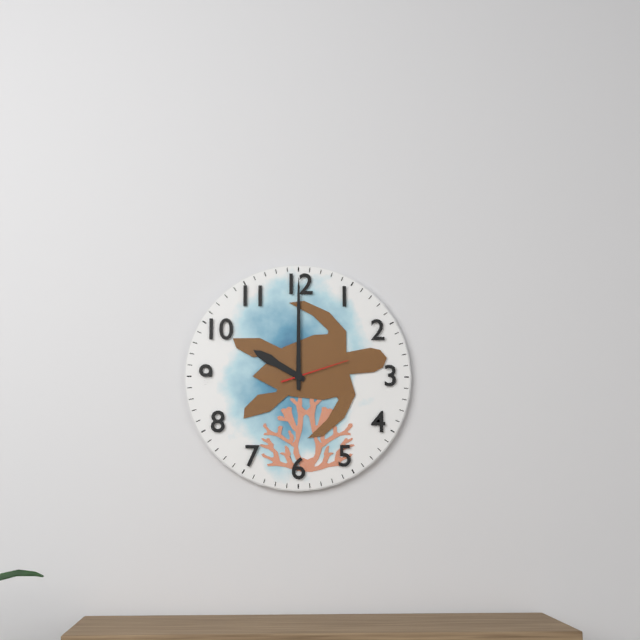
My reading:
h=10 m=0 s=12
